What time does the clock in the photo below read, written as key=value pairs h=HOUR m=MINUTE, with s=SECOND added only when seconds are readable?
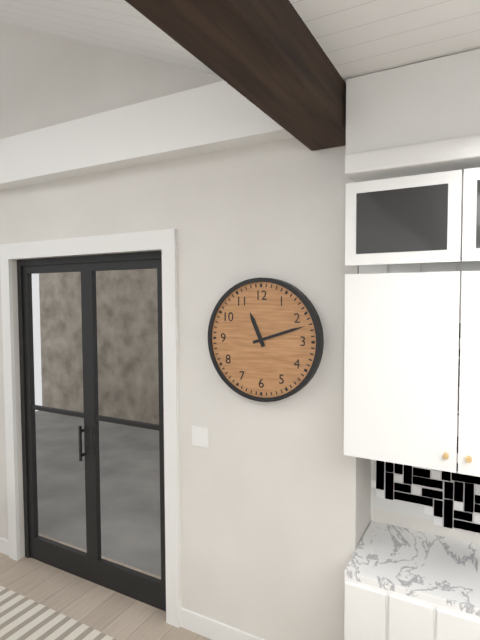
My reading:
h=11 m=12
